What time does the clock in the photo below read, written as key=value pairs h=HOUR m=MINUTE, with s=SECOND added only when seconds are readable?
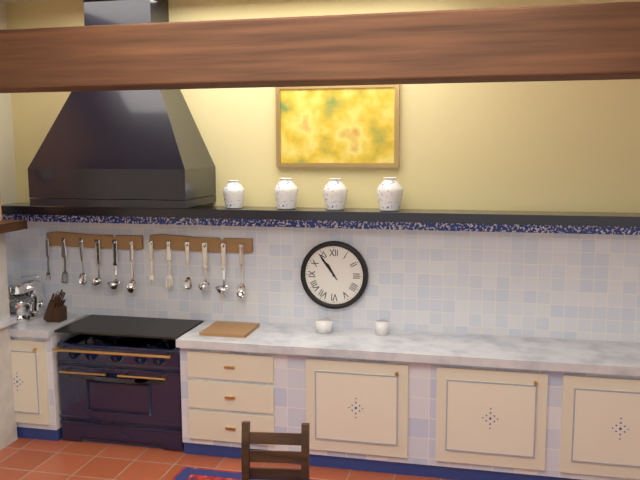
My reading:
h=10 m=54
